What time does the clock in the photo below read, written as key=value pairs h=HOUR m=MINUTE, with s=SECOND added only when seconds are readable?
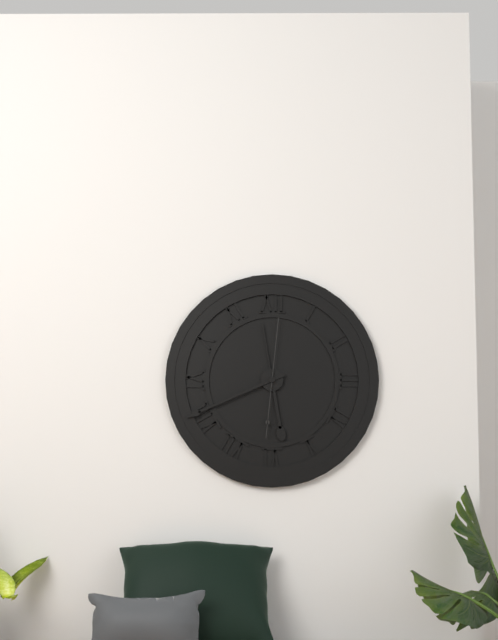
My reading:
h=5 m=41 s=1
